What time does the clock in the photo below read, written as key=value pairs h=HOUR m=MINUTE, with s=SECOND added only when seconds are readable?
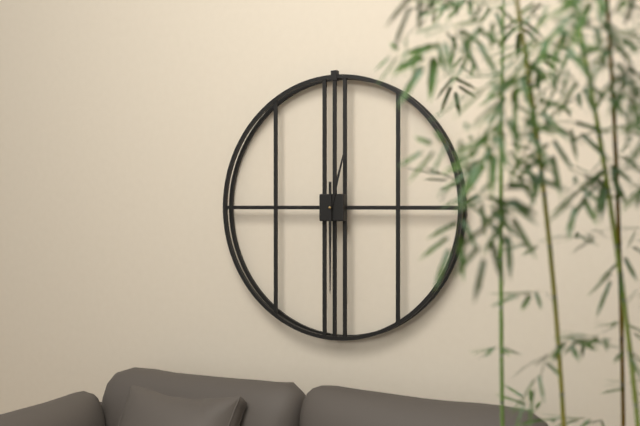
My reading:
h=12 m=30
